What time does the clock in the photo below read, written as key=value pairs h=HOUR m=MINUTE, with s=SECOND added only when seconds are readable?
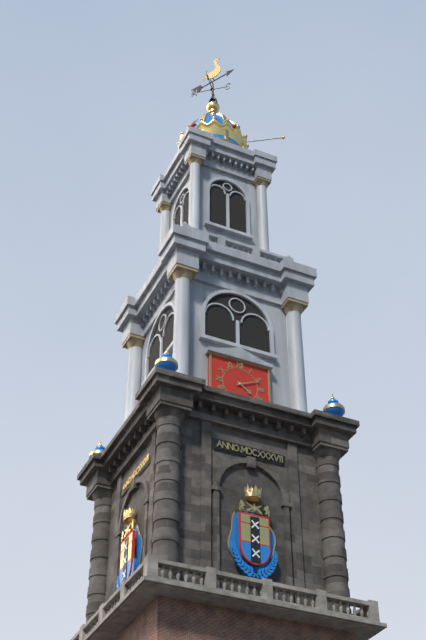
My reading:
h=4 m=11
